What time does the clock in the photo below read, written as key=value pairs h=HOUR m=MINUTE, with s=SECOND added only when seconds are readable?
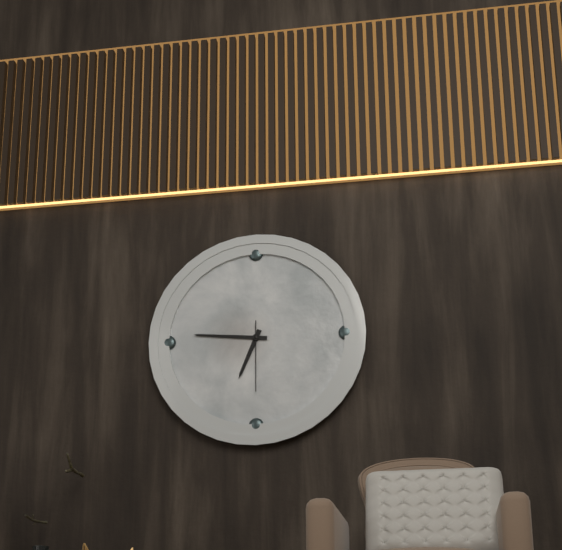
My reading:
h=6 m=46 s=30
